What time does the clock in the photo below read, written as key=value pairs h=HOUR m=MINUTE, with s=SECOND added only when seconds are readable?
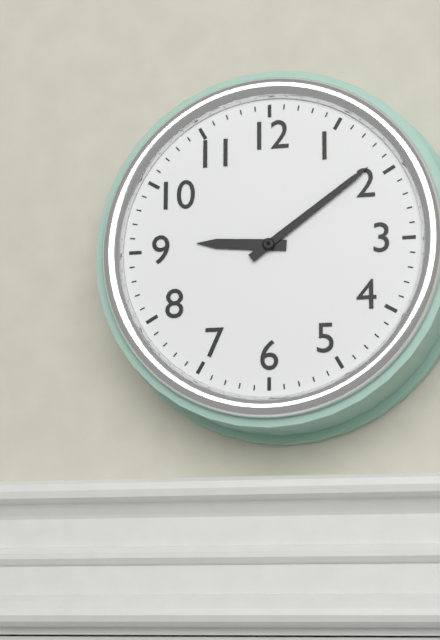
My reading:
h=9 m=9
